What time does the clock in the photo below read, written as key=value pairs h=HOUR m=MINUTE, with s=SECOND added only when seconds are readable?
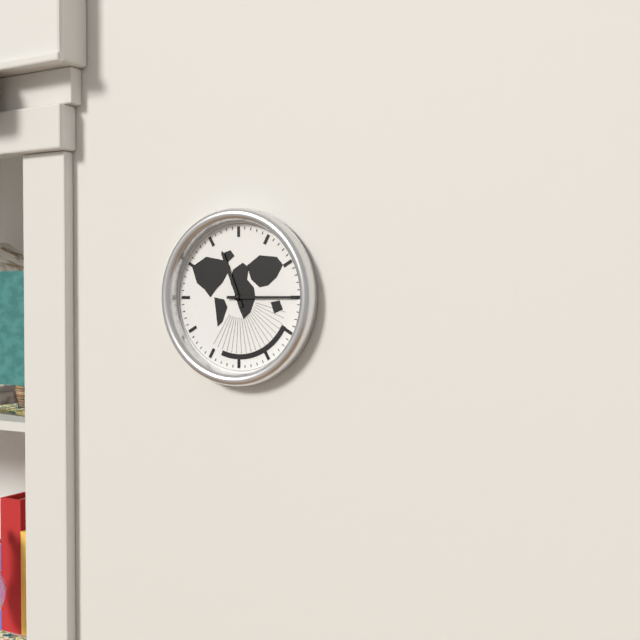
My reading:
h=11 m=15
